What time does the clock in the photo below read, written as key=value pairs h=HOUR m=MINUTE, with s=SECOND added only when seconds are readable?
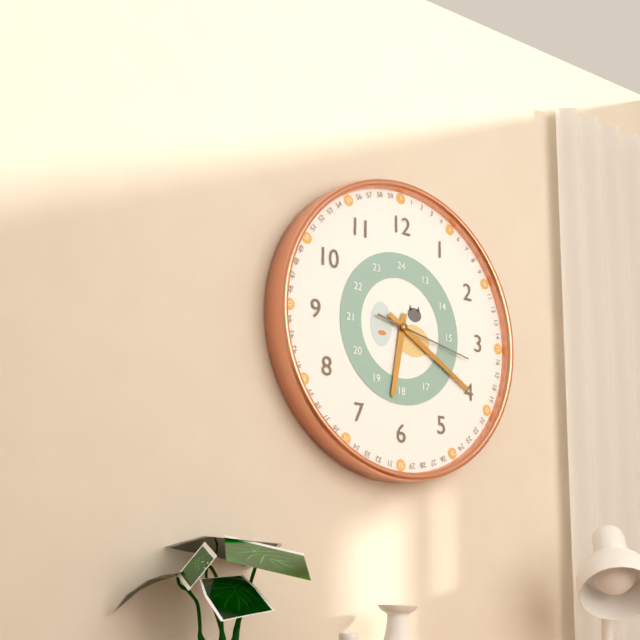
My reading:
h=6 m=20 s=17
